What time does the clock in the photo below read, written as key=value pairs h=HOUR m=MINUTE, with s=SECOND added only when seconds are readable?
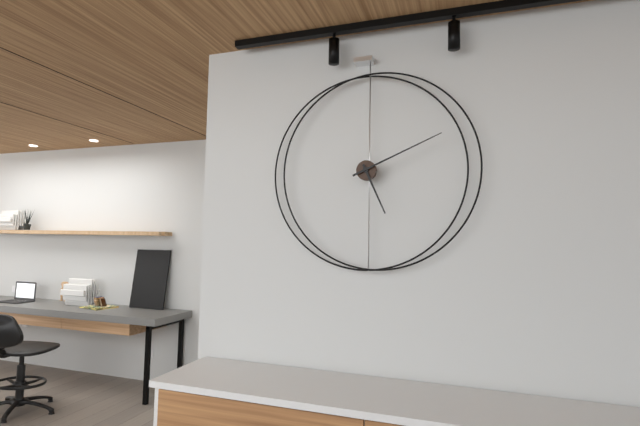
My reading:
h=5 m=11
